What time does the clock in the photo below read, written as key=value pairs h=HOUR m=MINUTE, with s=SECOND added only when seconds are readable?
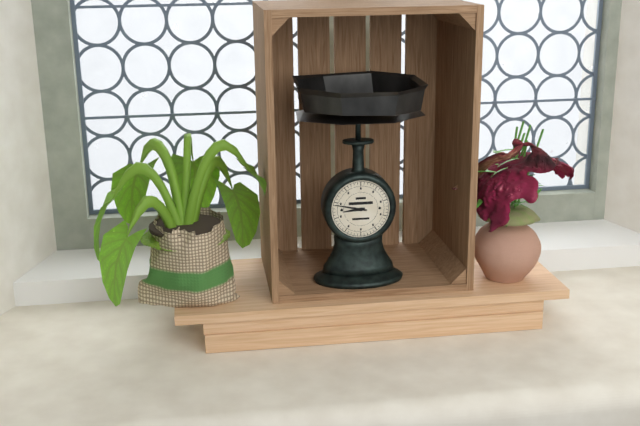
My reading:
h=8 m=47
